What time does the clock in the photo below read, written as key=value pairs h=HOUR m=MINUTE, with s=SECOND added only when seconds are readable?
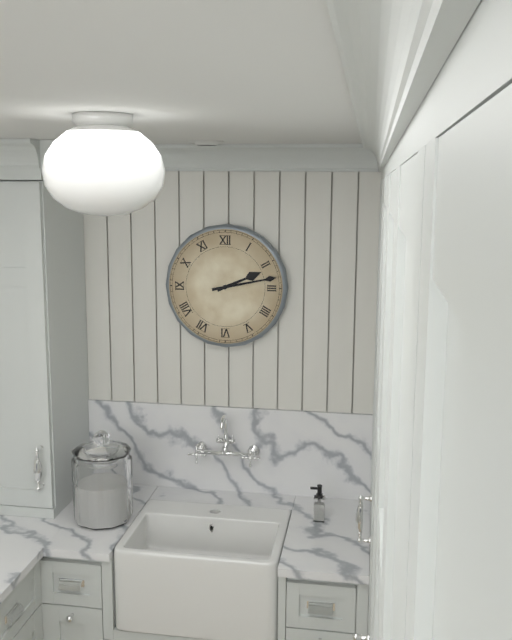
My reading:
h=2 m=13
